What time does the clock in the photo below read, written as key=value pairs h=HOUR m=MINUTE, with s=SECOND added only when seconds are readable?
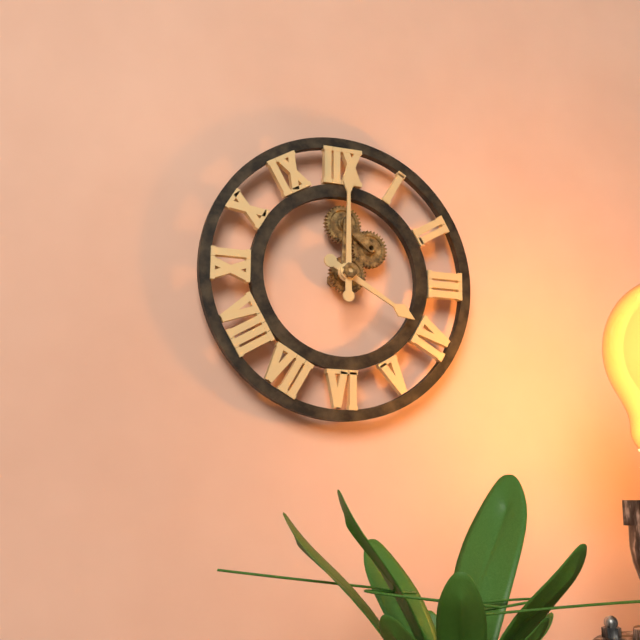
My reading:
h=4 m=0
